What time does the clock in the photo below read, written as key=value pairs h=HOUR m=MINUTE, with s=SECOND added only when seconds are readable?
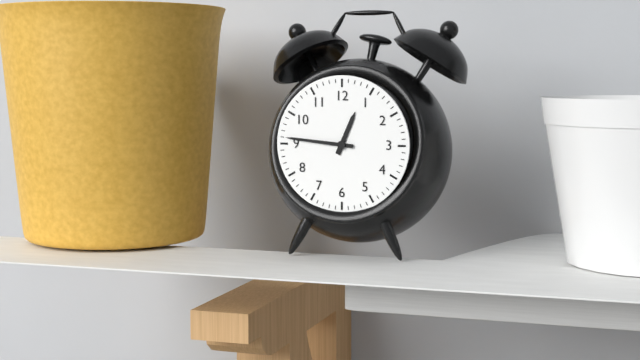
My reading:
h=12 m=46
